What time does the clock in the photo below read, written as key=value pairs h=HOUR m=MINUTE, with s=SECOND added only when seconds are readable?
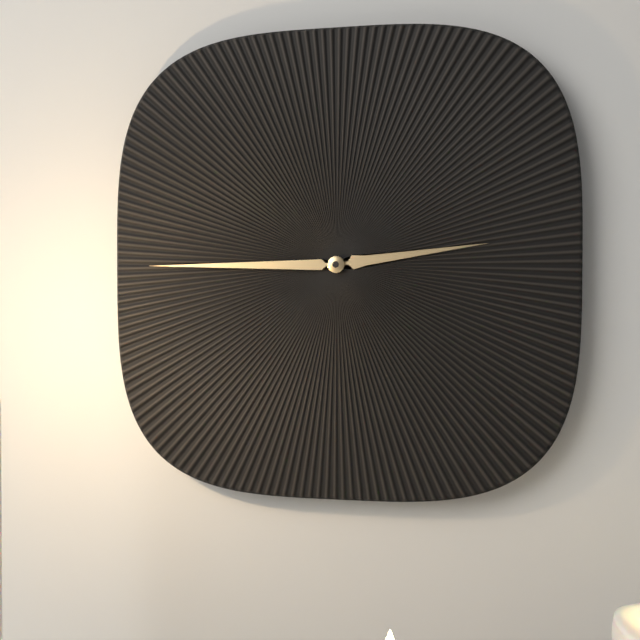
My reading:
h=2 m=45
